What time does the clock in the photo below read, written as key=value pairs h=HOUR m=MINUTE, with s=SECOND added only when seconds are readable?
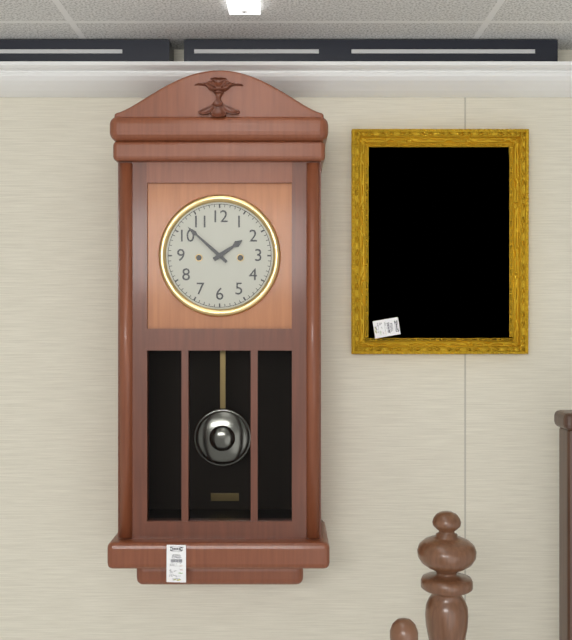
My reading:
h=1 m=52
